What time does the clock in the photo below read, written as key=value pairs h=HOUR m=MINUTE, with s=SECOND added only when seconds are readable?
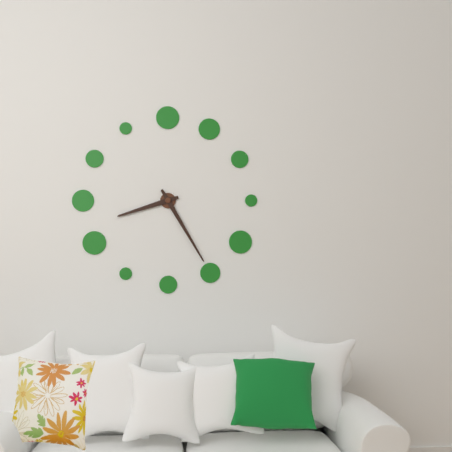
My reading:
h=8 m=25
